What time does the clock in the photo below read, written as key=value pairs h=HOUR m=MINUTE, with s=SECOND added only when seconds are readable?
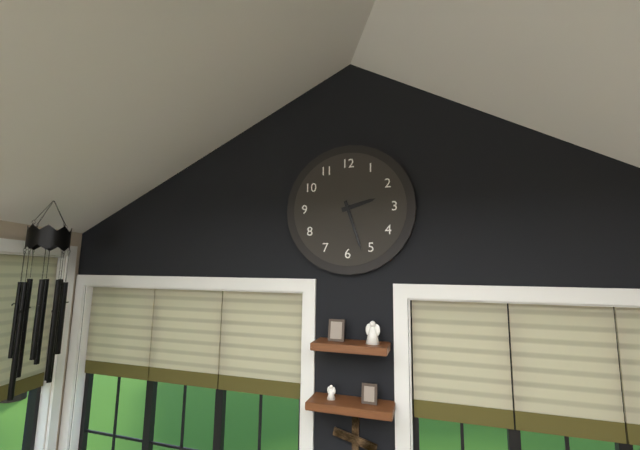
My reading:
h=2 m=27
